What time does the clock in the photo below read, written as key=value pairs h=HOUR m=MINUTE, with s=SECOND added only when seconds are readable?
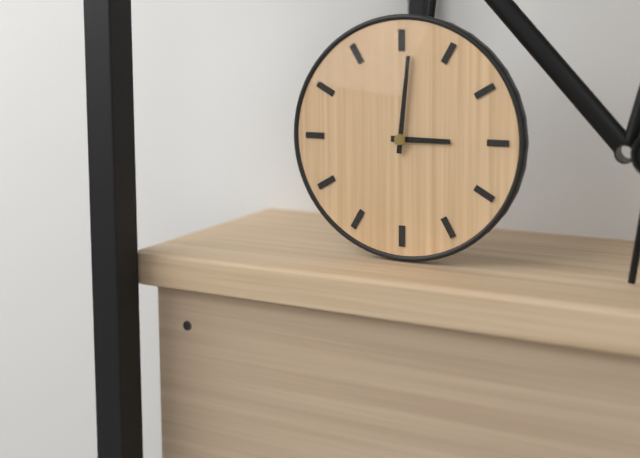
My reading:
h=3 m=1
